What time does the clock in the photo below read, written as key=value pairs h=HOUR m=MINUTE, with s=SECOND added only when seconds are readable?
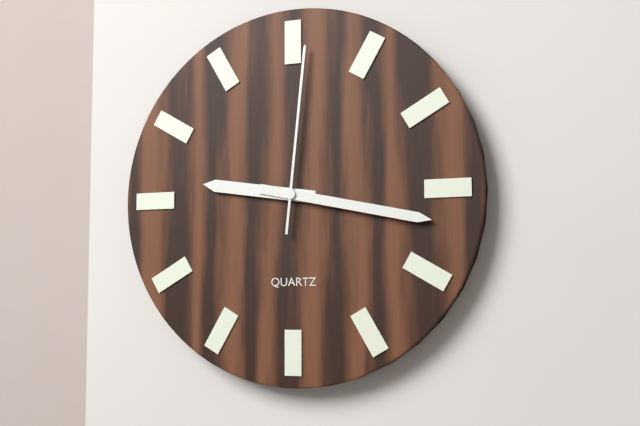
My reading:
h=9 m=17 s=1
